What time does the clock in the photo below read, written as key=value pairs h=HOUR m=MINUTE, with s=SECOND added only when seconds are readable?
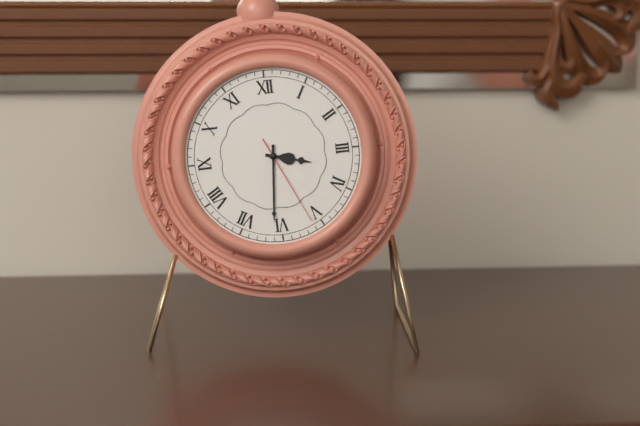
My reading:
h=3 m=31 s=26
